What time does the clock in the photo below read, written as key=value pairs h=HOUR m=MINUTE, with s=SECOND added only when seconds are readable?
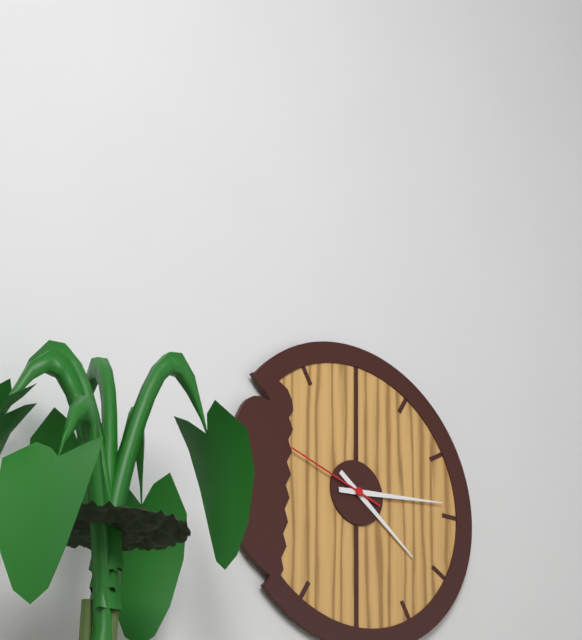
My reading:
h=4 m=14 s=48
